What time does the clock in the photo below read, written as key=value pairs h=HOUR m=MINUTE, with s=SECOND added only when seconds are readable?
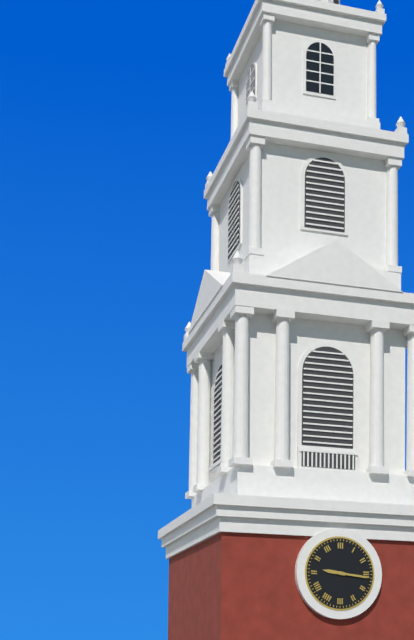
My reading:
h=9 m=16
